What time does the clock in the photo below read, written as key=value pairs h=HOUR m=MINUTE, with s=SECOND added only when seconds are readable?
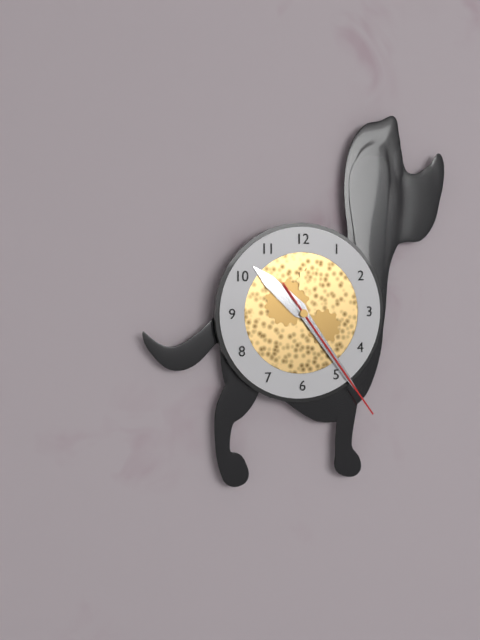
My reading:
h=10 m=24 s=24
